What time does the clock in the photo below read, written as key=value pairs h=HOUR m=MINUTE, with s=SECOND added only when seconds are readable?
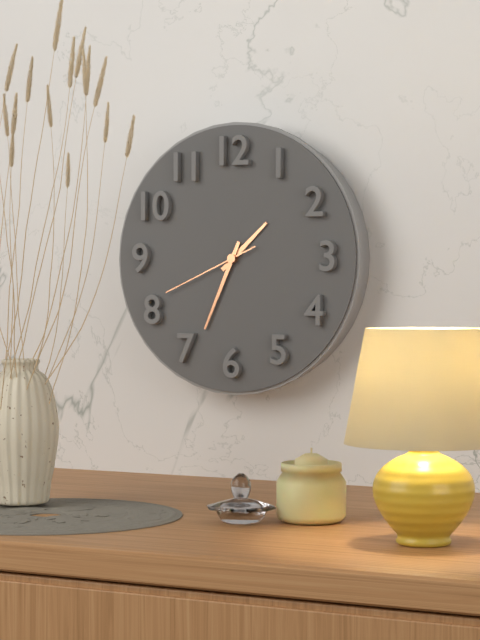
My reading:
h=1 m=34 s=41
